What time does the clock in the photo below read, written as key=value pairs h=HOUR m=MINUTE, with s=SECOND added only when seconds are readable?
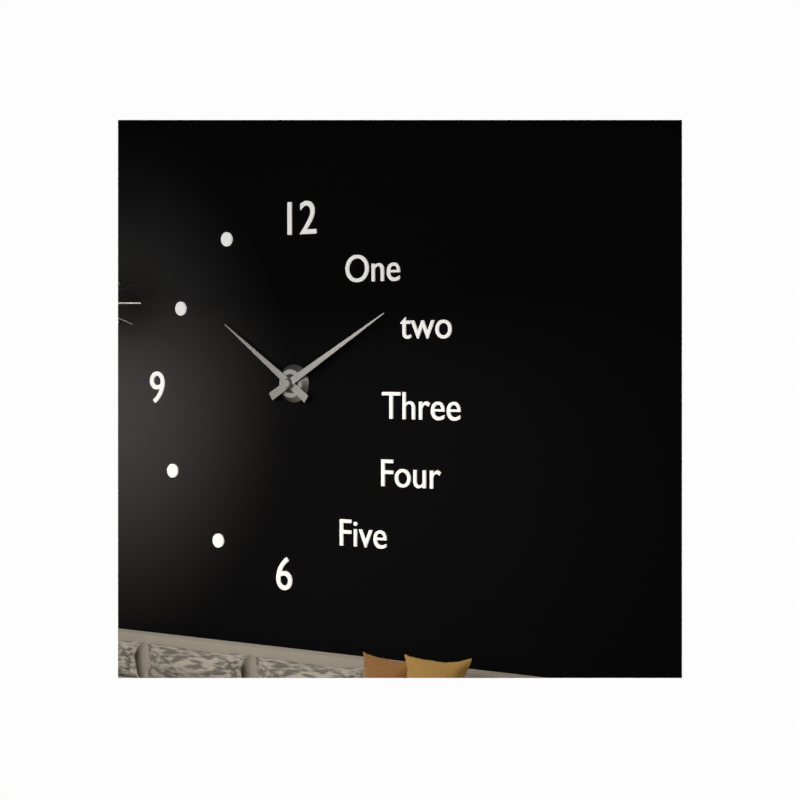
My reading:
h=10 m=10
